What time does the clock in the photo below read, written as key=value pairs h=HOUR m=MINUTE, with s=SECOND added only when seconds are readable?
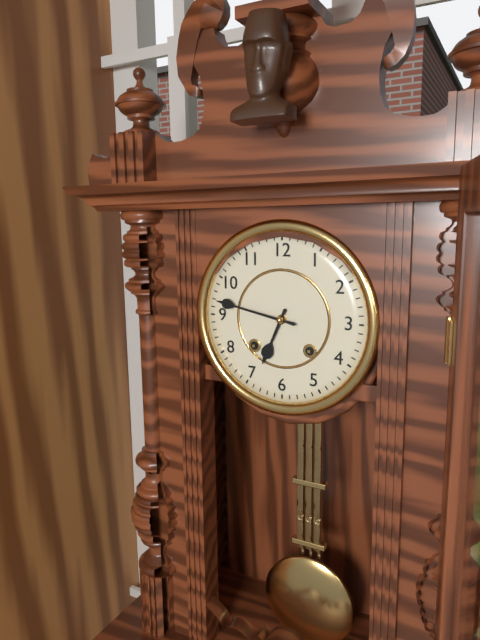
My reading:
h=6 m=47
